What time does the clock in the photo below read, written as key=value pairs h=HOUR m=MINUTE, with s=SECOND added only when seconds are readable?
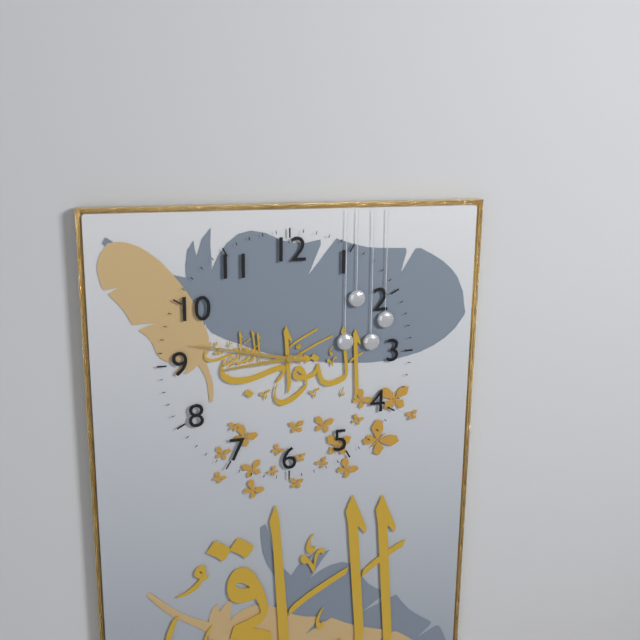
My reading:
h=8 m=47
